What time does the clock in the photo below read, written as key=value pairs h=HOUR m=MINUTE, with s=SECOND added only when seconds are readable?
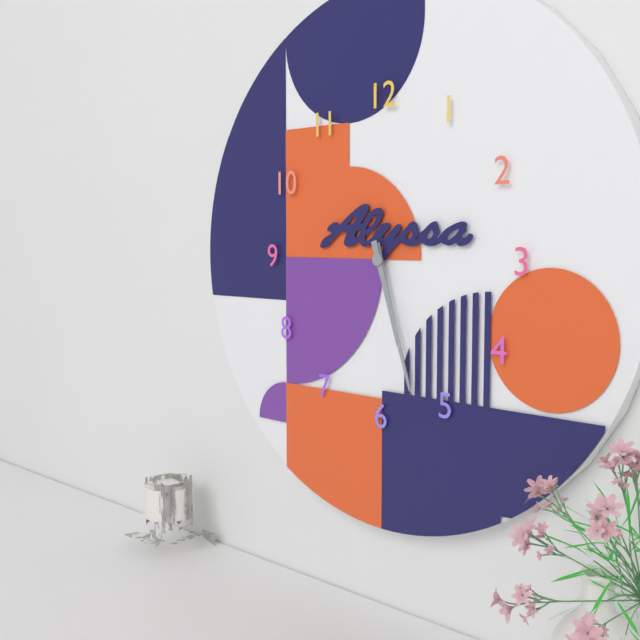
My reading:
h=5 m=27
